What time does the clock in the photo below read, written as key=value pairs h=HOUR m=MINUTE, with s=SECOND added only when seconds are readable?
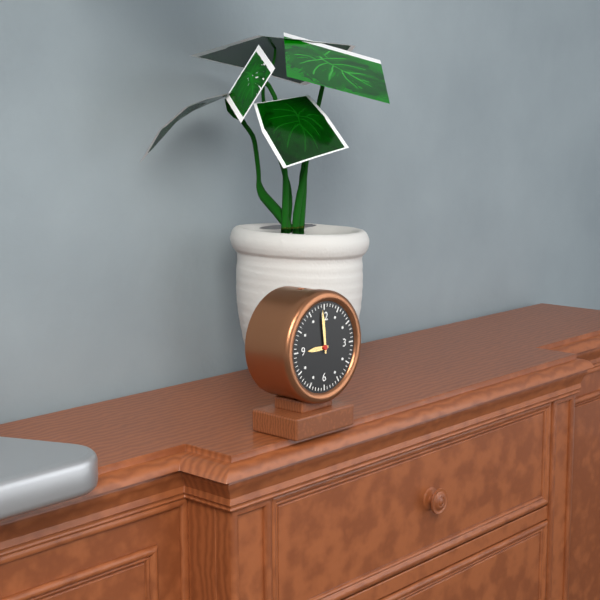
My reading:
h=8 m=59
